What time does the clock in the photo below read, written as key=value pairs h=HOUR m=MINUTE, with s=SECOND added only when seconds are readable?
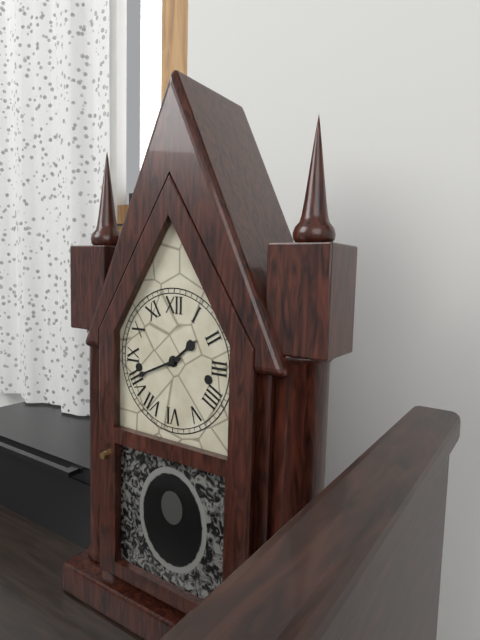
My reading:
h=1 m=41
